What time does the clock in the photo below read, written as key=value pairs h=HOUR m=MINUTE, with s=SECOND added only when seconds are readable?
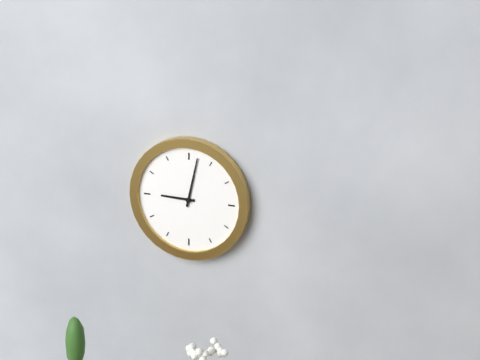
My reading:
h=9 m=2
